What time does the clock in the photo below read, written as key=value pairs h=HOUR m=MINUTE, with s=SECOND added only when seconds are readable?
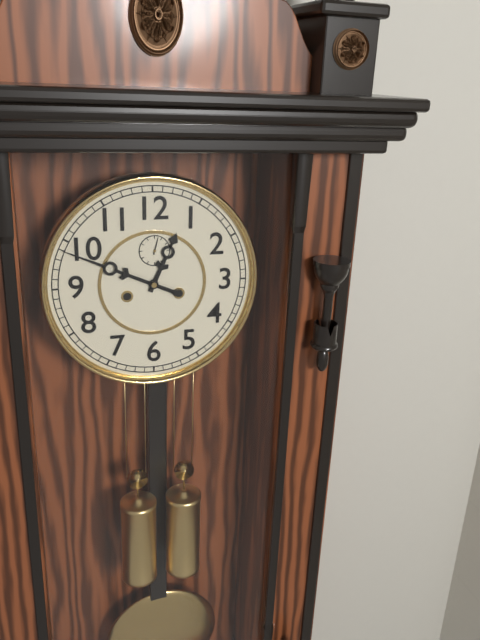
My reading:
h=12 m=49
